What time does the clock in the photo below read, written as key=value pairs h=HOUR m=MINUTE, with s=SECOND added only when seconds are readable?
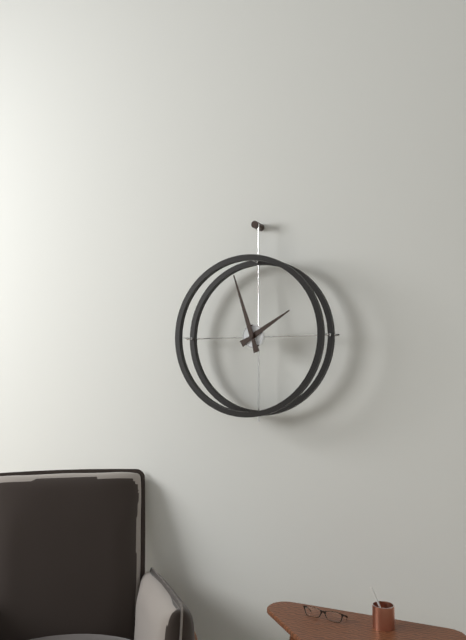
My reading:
h=1 m=57
